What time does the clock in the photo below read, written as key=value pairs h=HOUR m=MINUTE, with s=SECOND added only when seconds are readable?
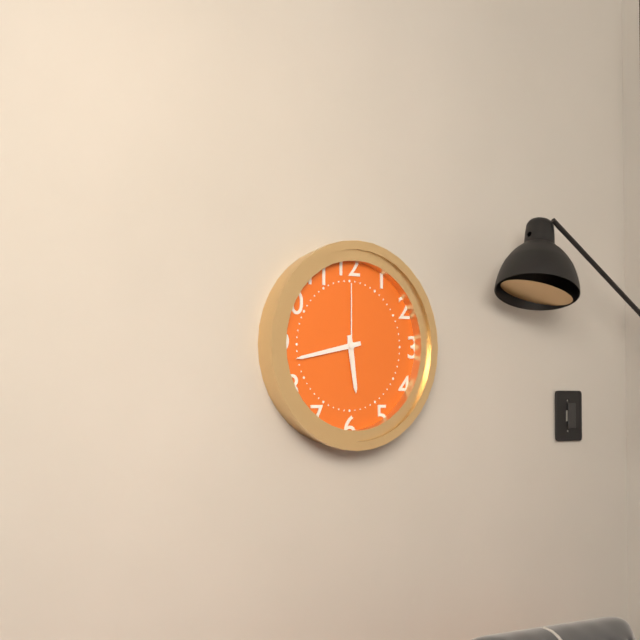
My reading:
h=5 m=43 s=0
